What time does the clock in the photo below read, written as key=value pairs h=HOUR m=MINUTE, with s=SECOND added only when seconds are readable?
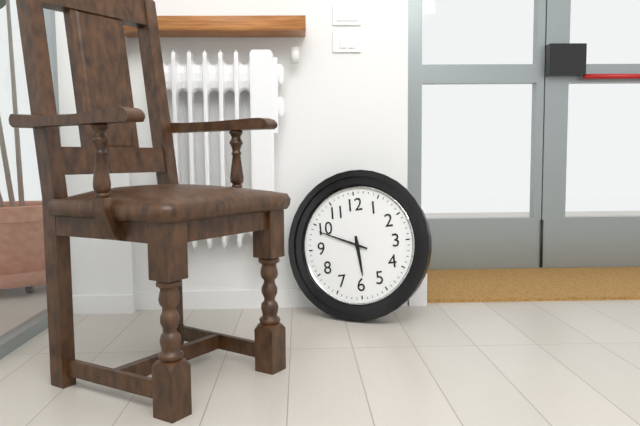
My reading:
h=5 m=49
